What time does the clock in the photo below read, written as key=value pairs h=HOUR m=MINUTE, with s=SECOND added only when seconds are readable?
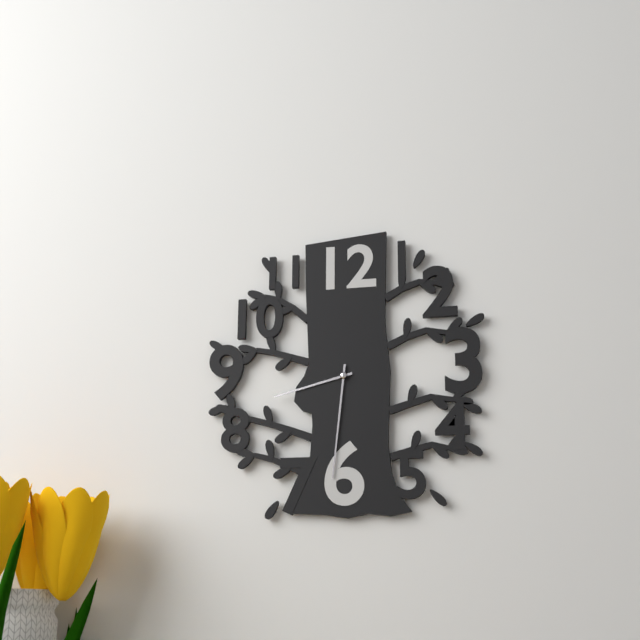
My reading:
h=8 m=31
